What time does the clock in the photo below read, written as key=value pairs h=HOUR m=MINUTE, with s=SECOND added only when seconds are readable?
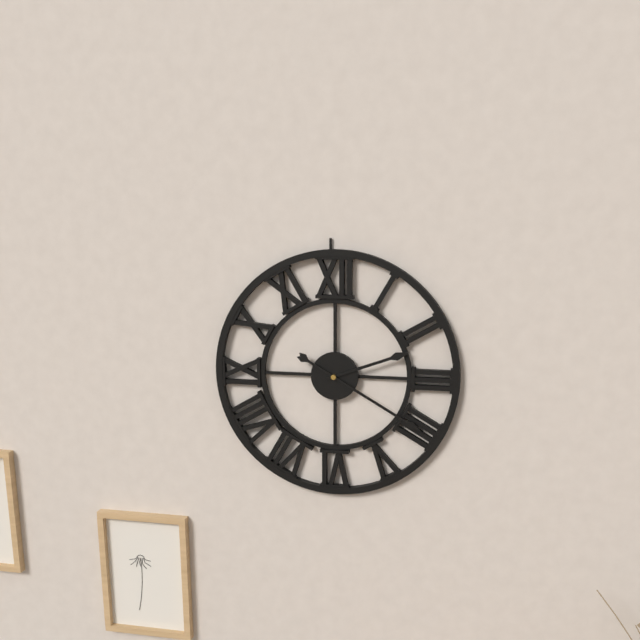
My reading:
h=2 m=20
